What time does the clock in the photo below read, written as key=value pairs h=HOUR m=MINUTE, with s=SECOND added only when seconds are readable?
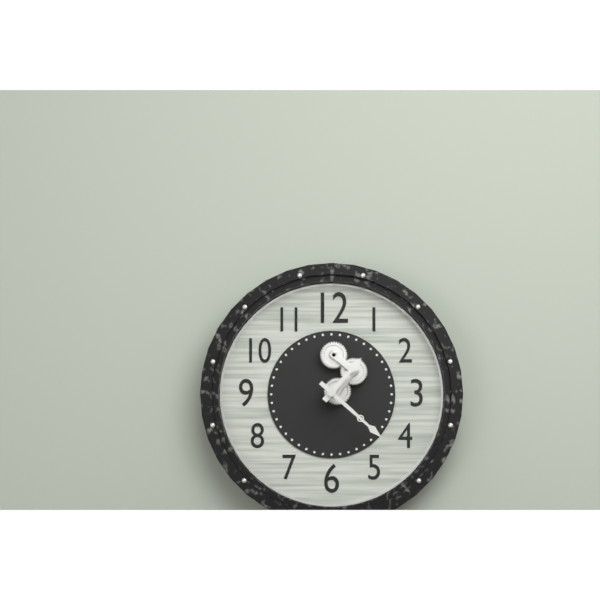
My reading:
h=1 m=22
